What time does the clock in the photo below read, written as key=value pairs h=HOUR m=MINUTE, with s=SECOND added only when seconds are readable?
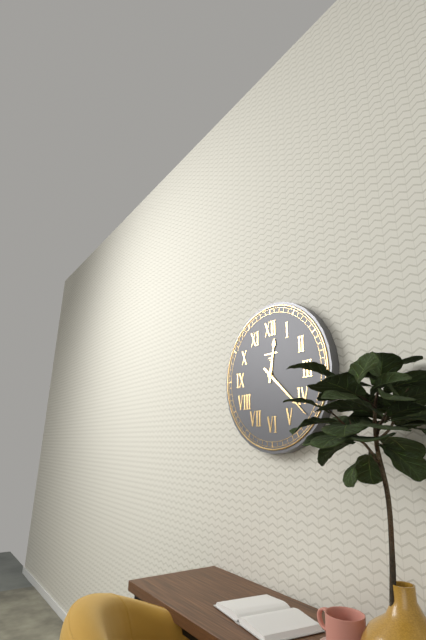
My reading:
h=12 m=22
